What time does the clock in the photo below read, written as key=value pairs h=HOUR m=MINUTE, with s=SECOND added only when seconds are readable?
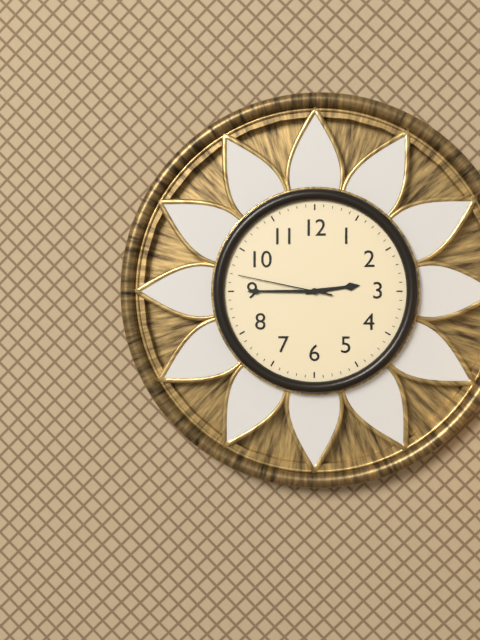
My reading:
h=2 m=45 s=47
